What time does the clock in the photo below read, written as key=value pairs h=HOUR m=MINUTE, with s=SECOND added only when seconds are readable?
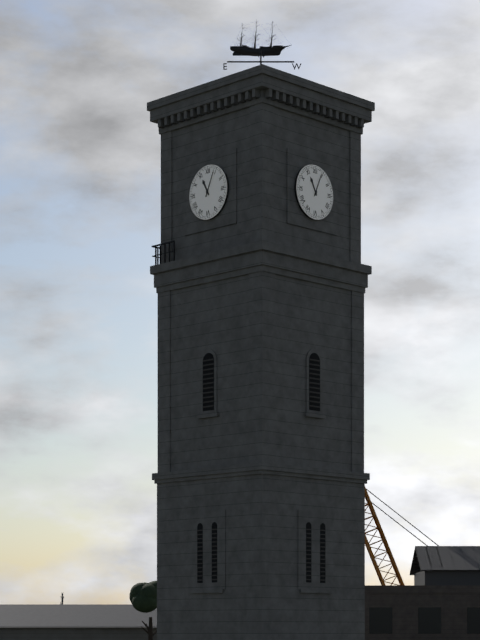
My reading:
h=11 m=4
